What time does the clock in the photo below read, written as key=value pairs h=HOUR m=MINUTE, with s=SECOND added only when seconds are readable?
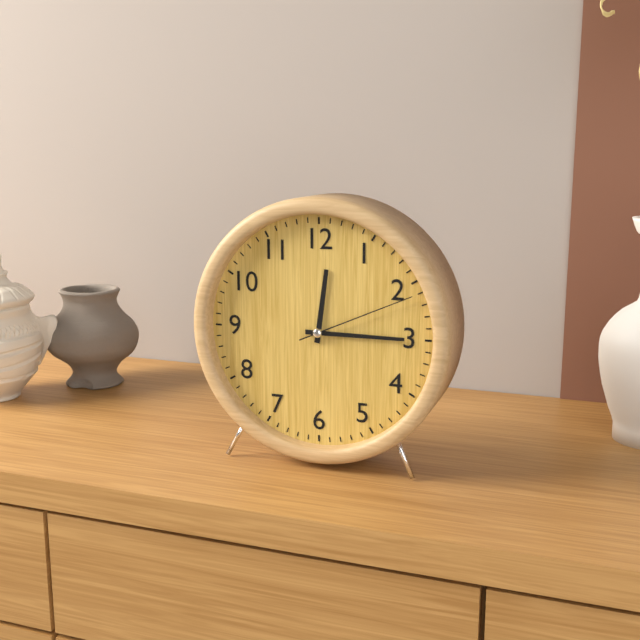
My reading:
h=12 m=15 s=11
